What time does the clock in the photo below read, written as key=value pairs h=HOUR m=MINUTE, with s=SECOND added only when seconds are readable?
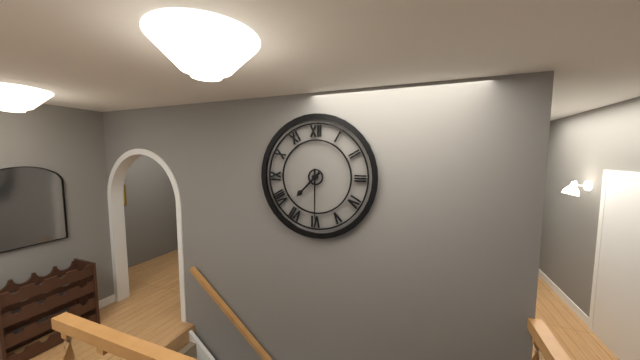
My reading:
h=7 m=30
